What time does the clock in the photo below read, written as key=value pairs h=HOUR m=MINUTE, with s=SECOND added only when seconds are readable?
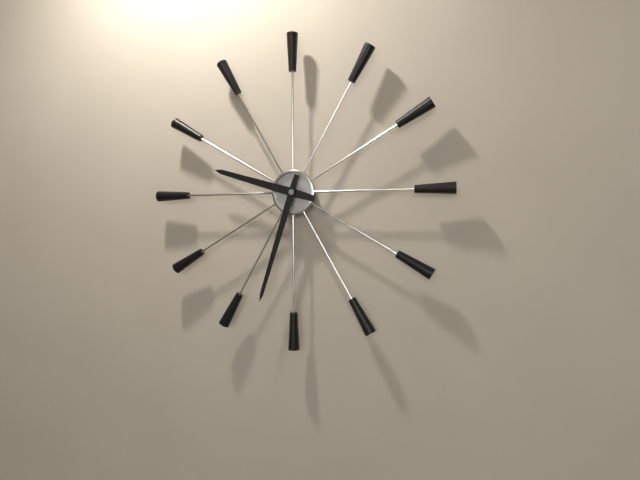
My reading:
h=9 m=33
